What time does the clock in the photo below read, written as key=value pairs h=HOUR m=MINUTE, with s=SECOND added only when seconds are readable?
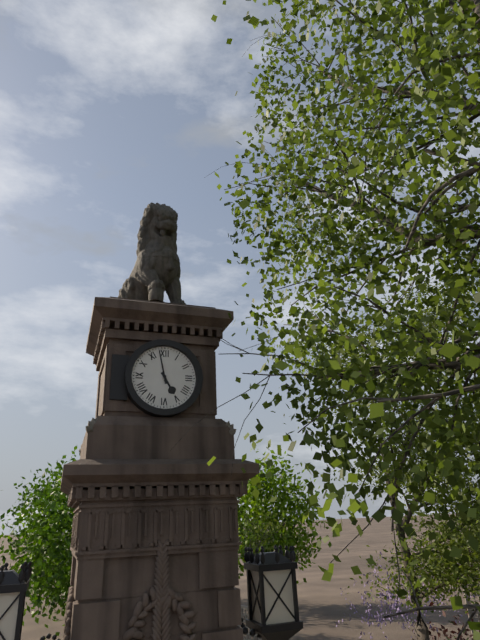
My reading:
h=4 m=58
